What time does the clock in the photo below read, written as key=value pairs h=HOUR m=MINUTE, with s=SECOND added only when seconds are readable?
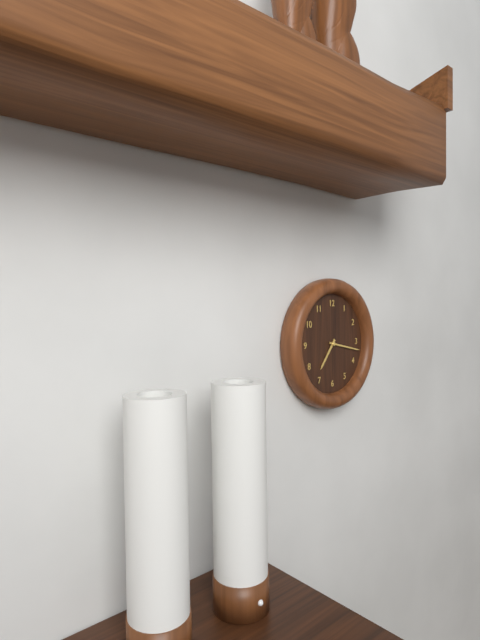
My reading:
h=7 m=17
